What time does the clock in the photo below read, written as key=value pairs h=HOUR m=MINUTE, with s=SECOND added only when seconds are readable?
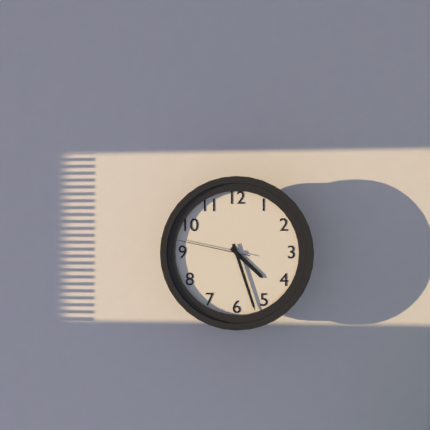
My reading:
h=4 m=27 s=47
